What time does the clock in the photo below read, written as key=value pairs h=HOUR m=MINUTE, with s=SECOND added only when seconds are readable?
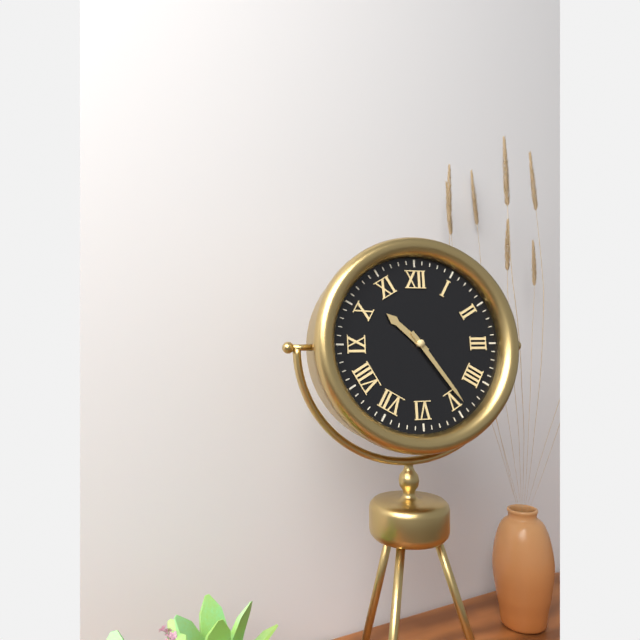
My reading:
h=10 m=24
